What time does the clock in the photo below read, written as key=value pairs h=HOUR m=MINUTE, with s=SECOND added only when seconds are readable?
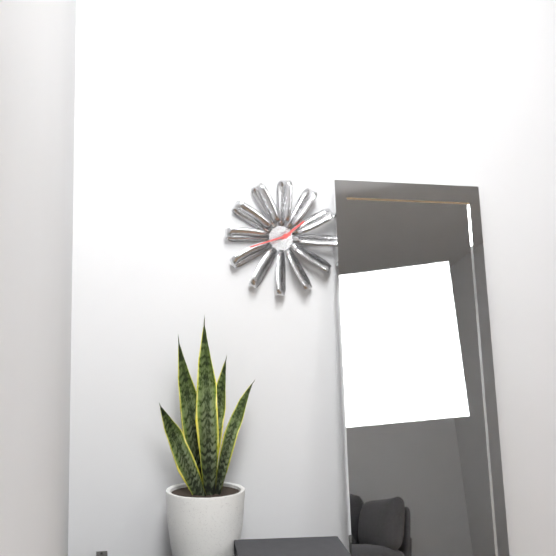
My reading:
h=1 m=42
